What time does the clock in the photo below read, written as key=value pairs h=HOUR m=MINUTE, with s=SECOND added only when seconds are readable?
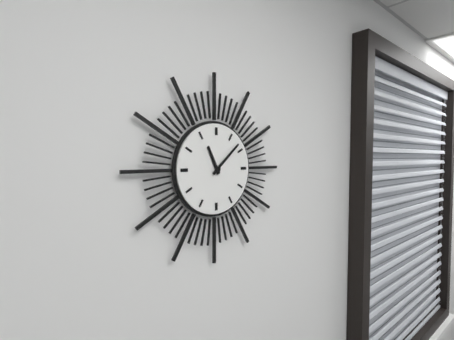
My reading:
h=11 m=8
